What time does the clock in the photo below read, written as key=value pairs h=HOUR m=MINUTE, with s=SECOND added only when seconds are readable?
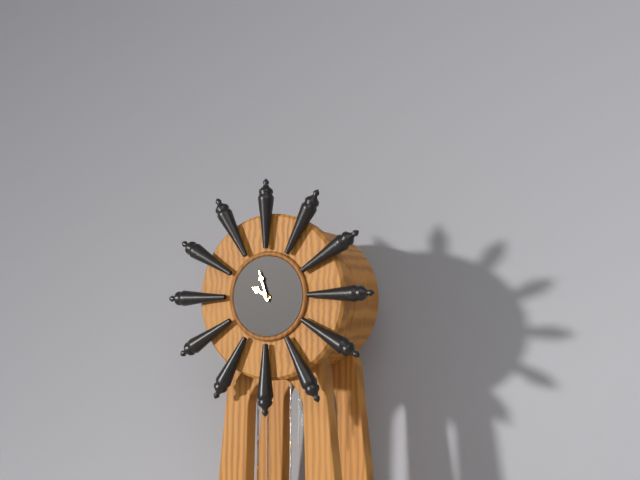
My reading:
h=9 m=57
